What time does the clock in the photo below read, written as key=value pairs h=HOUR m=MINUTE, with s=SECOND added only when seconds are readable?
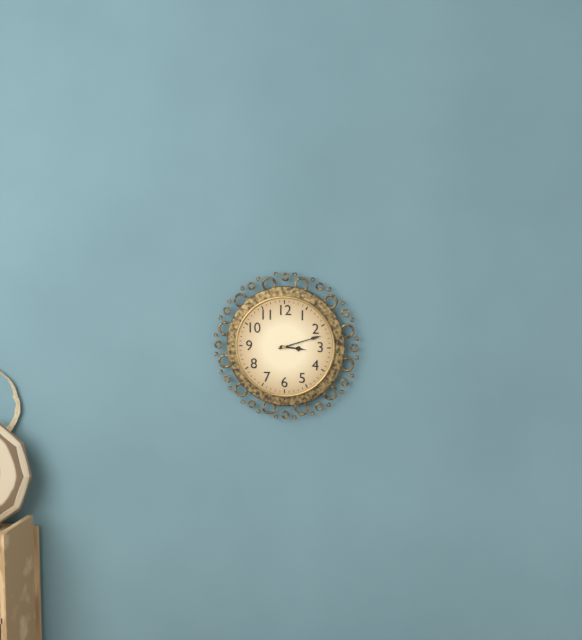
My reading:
h=3 m=12
